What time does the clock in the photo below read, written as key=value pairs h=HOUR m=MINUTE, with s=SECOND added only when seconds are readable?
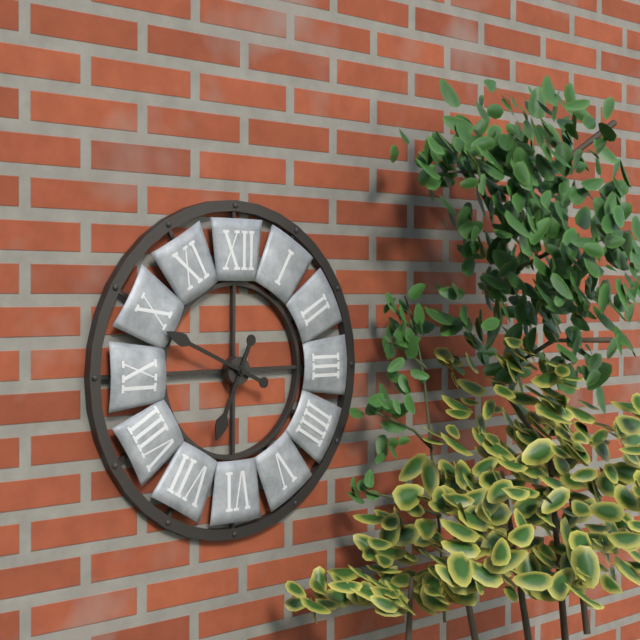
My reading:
h=6 m=49
